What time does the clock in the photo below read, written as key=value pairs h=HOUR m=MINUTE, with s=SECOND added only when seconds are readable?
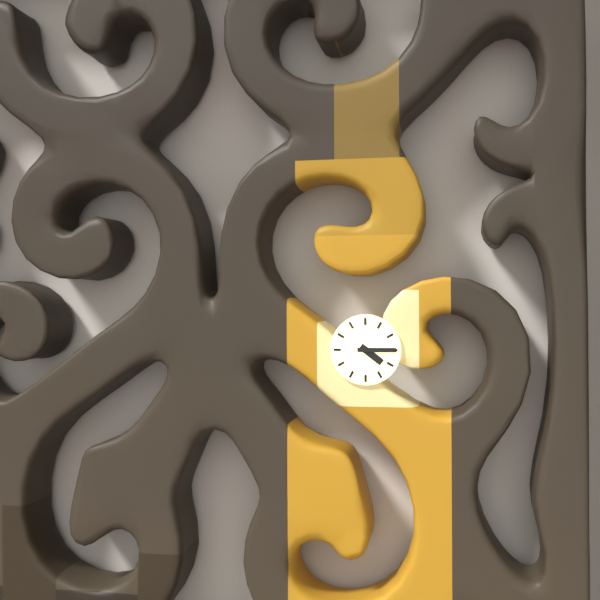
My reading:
h=4 m=15
